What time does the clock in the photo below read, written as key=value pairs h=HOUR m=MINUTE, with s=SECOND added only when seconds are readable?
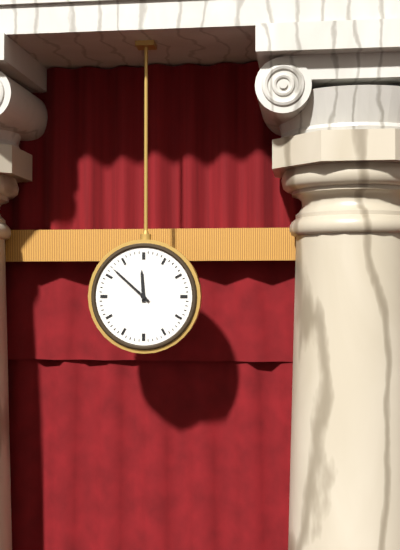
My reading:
h=11 m=52
